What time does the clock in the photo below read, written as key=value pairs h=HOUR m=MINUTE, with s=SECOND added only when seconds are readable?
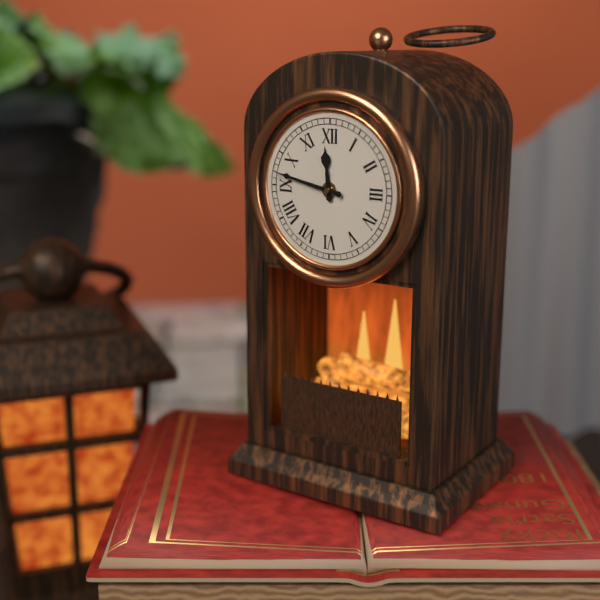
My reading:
h=11 m=47
